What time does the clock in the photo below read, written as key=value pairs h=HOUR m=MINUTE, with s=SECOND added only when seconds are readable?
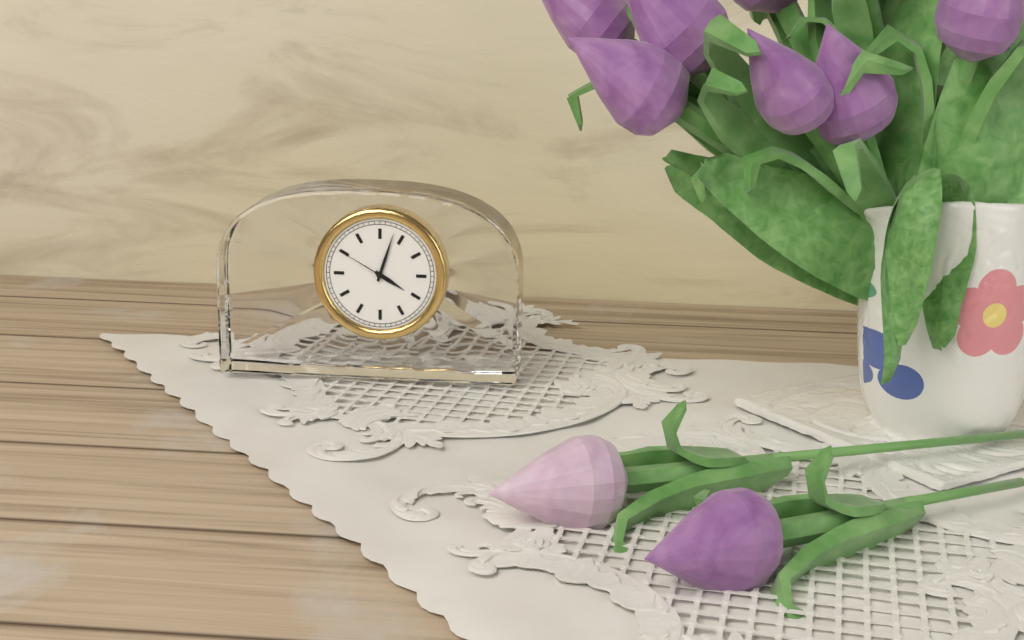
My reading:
h=4 m=3 s=50
